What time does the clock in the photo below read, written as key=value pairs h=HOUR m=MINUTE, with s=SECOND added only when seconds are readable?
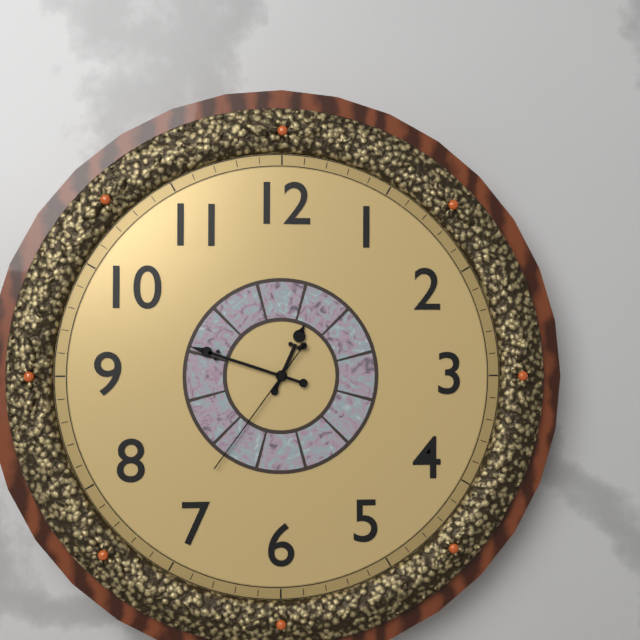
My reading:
h=12 m=48 s=36
